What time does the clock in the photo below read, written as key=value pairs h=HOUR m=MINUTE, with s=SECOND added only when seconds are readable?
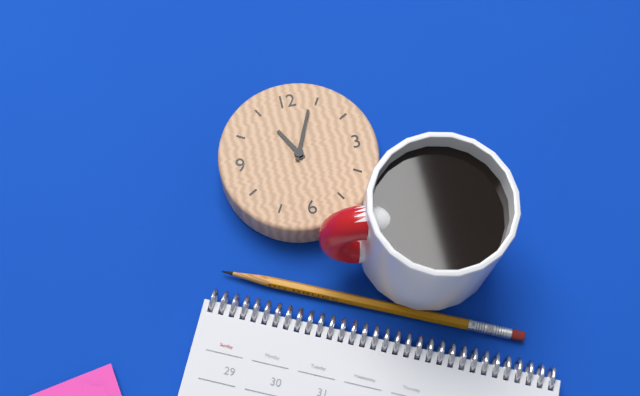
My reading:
h=11 m=4
